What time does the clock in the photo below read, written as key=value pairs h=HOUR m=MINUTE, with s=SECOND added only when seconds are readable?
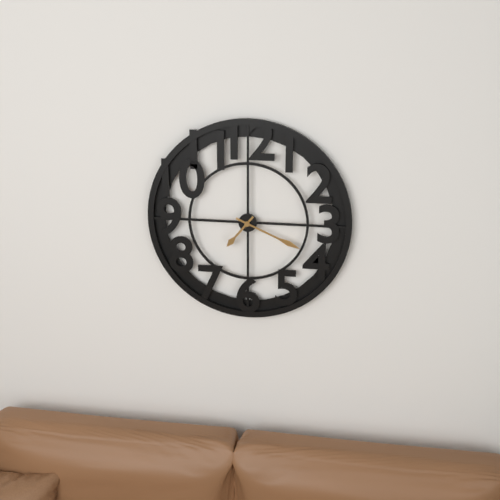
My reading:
h=7 m=19
